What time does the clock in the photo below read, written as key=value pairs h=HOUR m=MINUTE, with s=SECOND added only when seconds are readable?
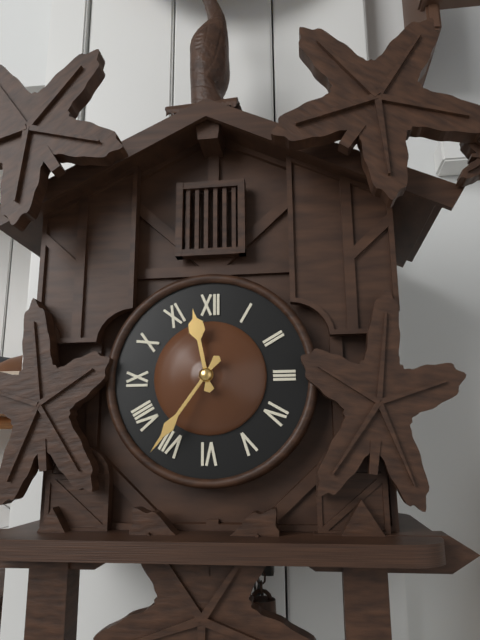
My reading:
h=11 m=36
